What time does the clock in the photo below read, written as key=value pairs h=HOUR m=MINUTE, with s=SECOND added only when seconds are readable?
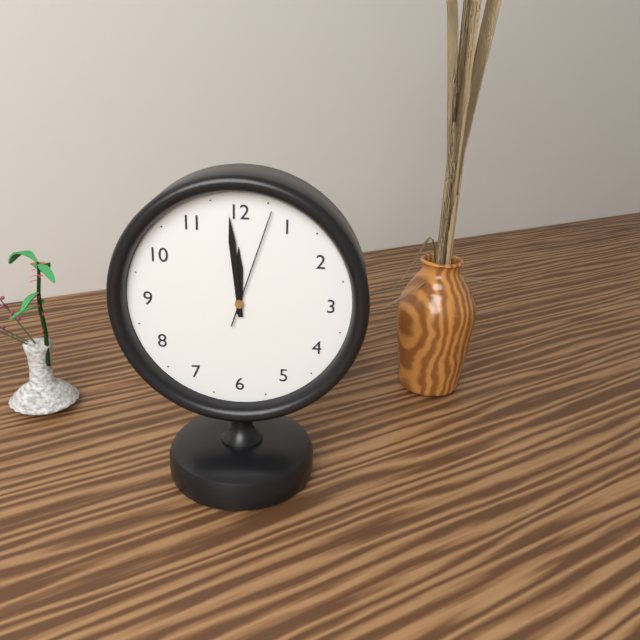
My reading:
h=11 m=59 s=3
